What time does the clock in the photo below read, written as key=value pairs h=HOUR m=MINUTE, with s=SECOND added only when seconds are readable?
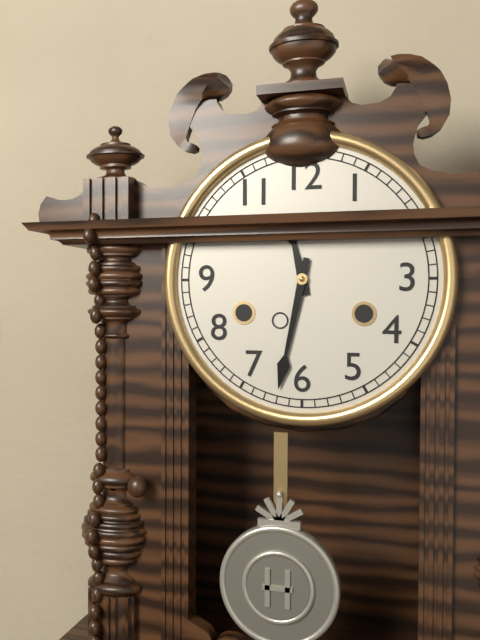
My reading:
h=11 m=32
